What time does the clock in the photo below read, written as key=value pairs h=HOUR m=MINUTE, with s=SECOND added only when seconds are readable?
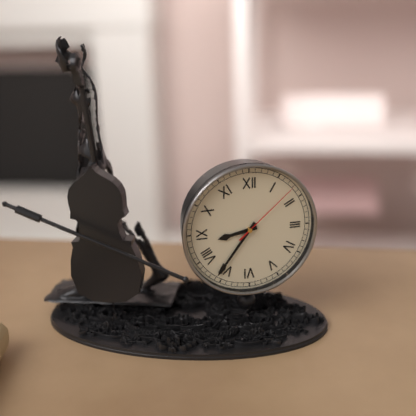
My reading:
h=8 m=36 s=8
